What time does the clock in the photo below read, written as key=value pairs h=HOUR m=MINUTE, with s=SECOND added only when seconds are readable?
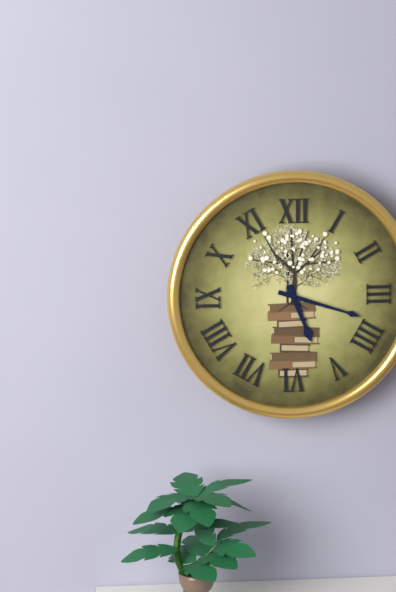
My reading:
h=5 m=18
